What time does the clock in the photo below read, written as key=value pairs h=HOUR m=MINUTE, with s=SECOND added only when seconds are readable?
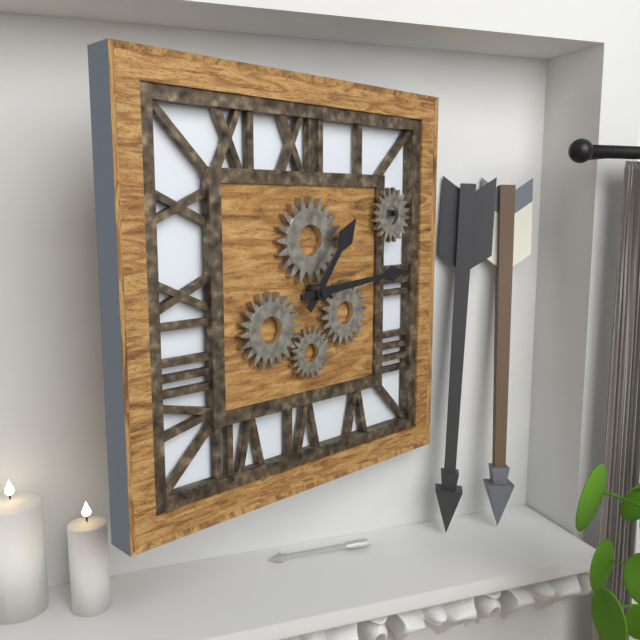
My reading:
h=1 m=14
